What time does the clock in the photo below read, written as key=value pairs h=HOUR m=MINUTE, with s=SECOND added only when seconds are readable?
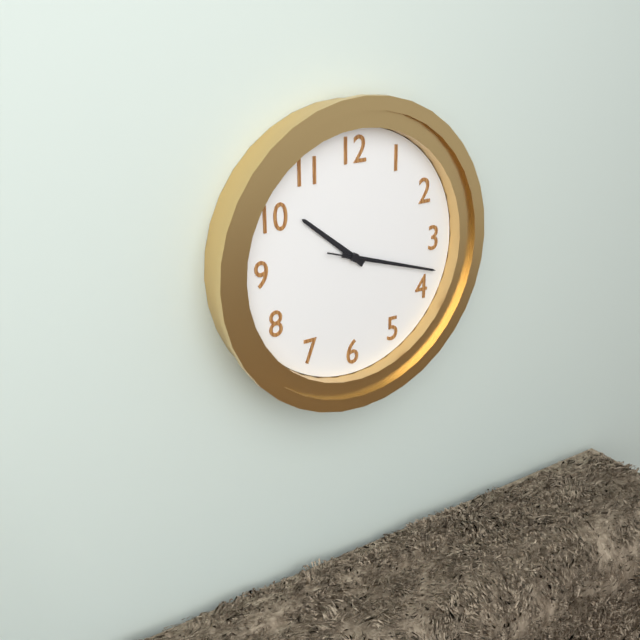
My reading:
h=10 m=18 s=18
